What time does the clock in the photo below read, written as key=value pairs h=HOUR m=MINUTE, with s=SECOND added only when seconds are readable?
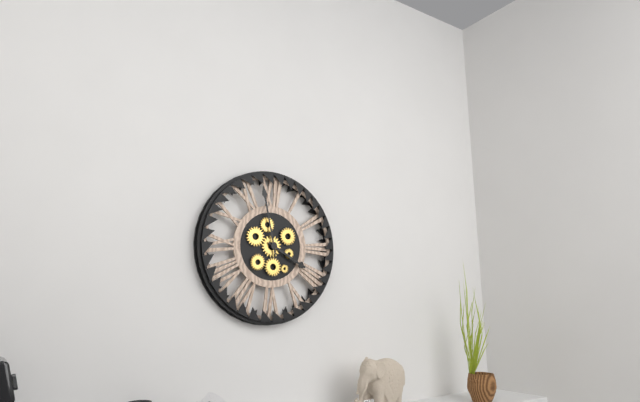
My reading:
h=3 m=58
